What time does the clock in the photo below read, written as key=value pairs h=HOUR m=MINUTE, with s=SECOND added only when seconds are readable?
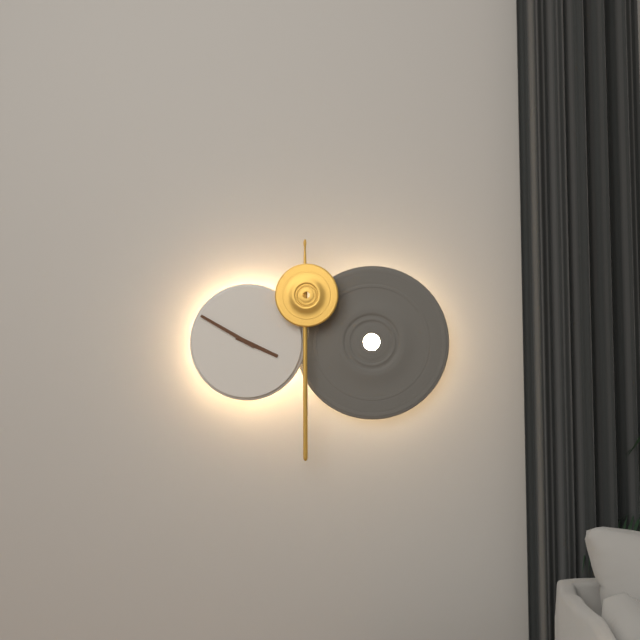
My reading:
h=3 m=50
